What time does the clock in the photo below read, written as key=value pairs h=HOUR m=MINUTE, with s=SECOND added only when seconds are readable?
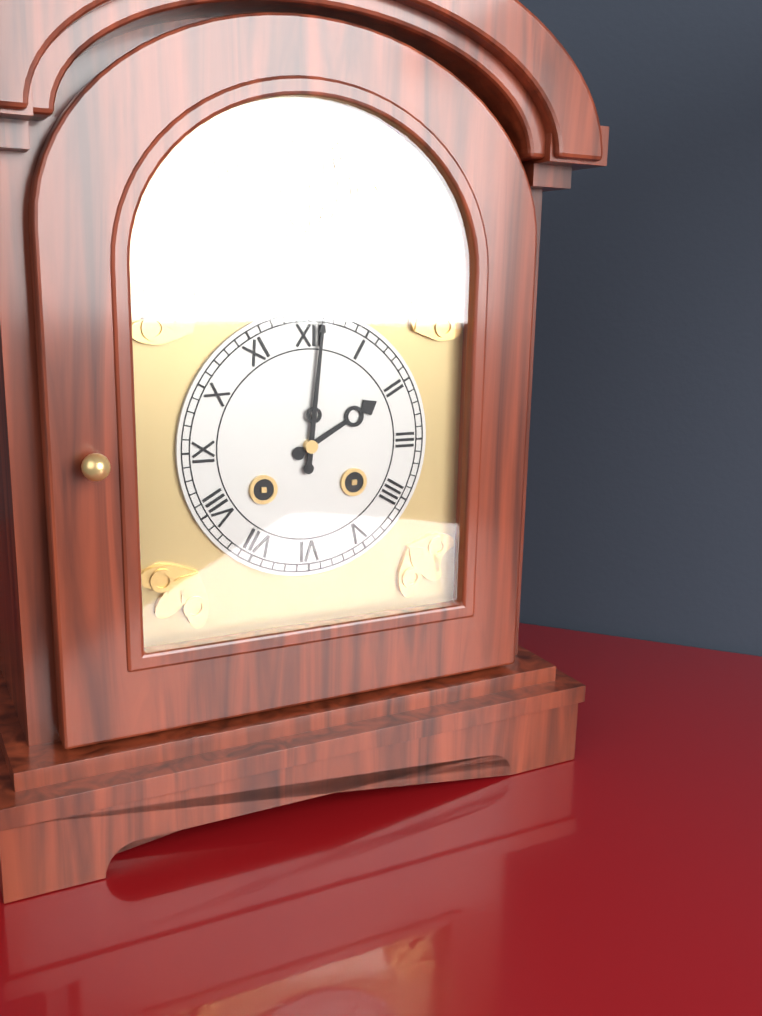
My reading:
h=2 m=1
